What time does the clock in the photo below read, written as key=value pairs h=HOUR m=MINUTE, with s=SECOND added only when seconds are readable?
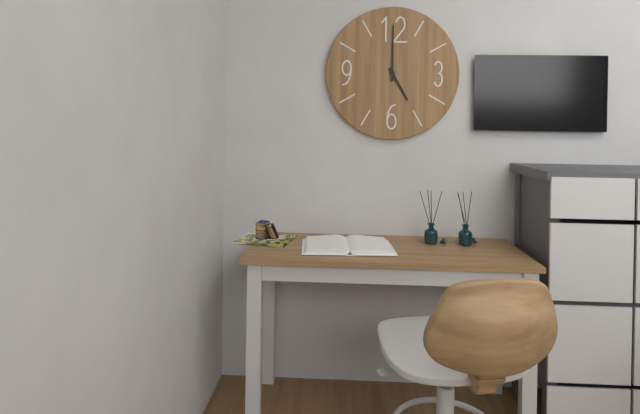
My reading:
h=5 m=0
